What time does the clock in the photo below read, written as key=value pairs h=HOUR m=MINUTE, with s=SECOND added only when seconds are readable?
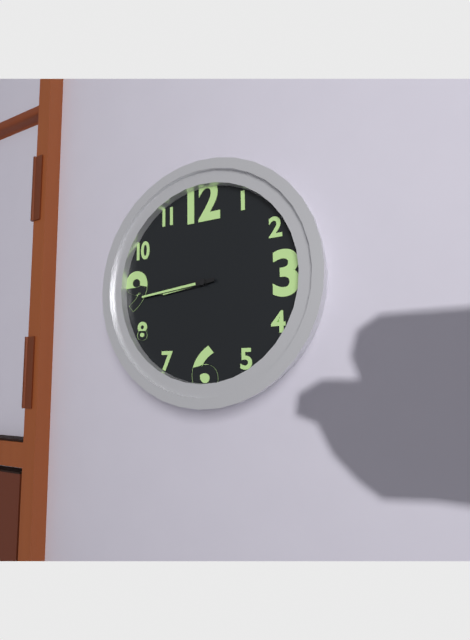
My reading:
h=8 m=44
